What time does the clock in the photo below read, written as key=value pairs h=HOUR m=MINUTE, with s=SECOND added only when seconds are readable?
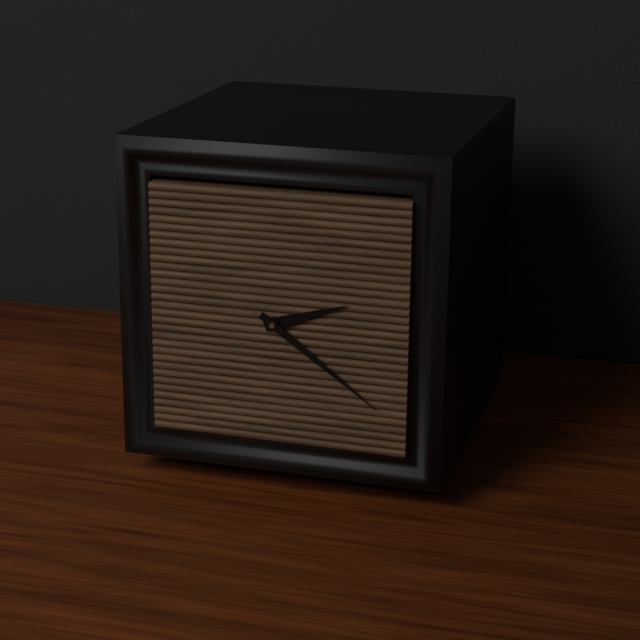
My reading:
h=2 m=21
